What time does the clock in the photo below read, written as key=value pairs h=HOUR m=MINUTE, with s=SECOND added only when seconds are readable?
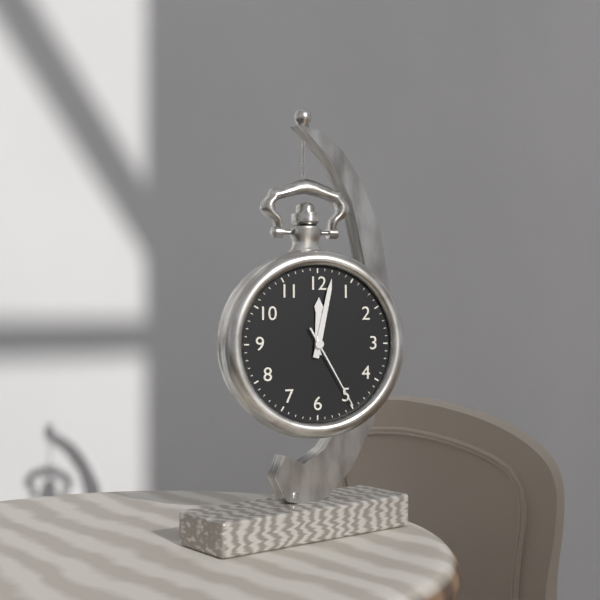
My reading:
h=12 m=2 s=25
